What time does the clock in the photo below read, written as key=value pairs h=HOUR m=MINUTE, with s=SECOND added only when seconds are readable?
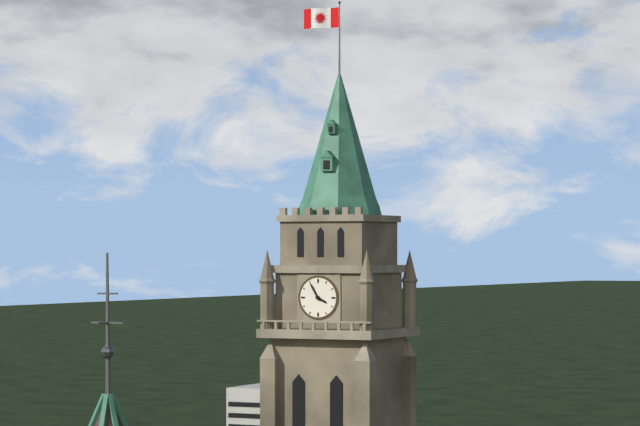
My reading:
h=3 m=55
